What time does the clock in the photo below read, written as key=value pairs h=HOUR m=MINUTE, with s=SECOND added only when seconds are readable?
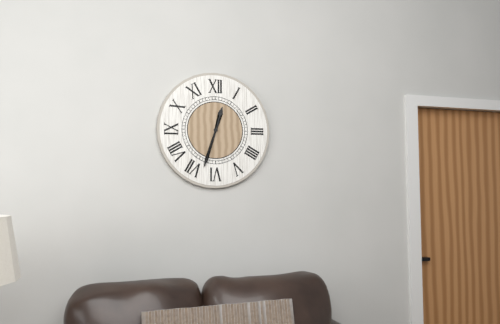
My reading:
h=12 m=33
